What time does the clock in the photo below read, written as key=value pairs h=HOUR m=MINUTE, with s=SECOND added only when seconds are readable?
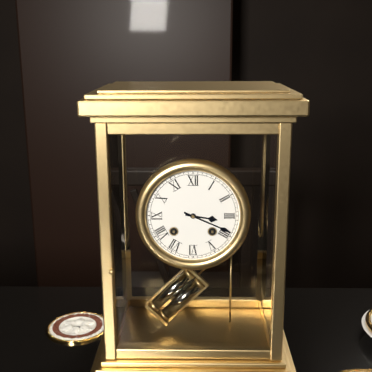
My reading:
h=3 m=19
